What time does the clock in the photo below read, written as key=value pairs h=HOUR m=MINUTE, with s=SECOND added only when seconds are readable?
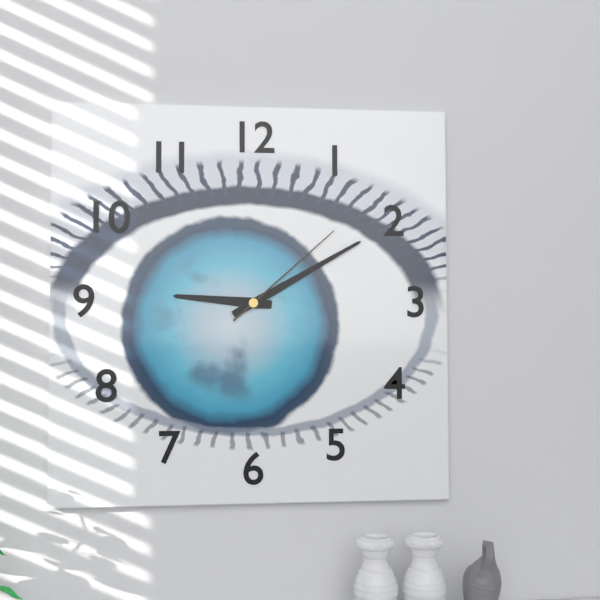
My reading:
h=9 m=10 s=8
